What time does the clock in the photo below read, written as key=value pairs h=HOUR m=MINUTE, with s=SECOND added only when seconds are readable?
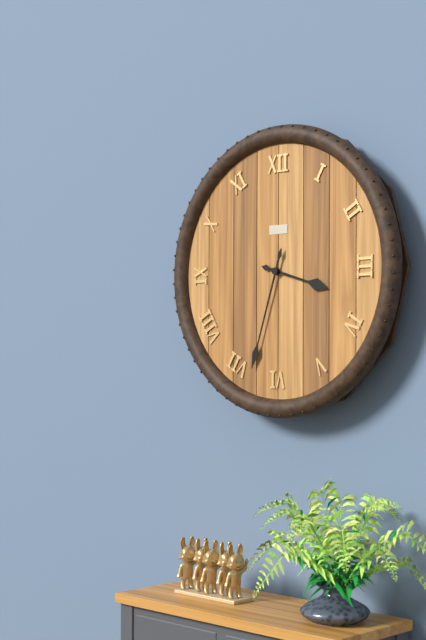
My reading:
h=3 m=33
